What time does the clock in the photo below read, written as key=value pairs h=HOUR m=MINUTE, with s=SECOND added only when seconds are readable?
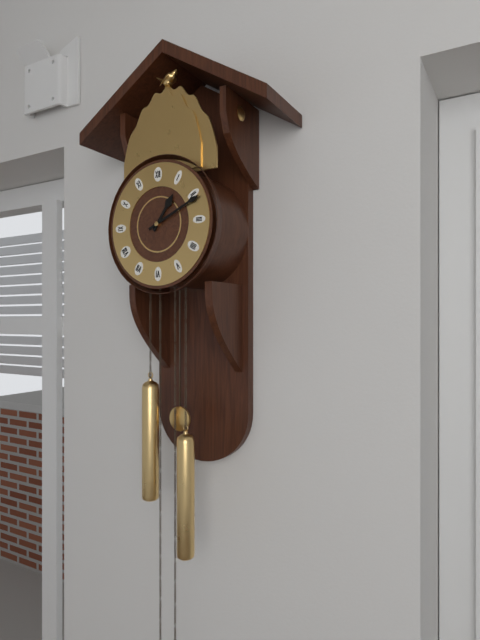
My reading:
h=1 m=11
